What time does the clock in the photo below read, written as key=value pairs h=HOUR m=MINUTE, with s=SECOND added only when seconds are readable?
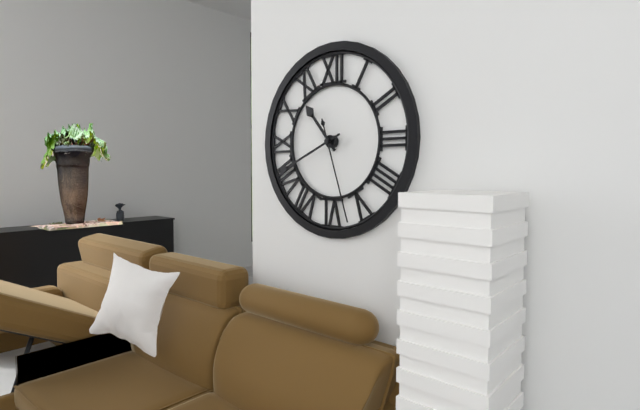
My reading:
h=10 m=41 s=27
